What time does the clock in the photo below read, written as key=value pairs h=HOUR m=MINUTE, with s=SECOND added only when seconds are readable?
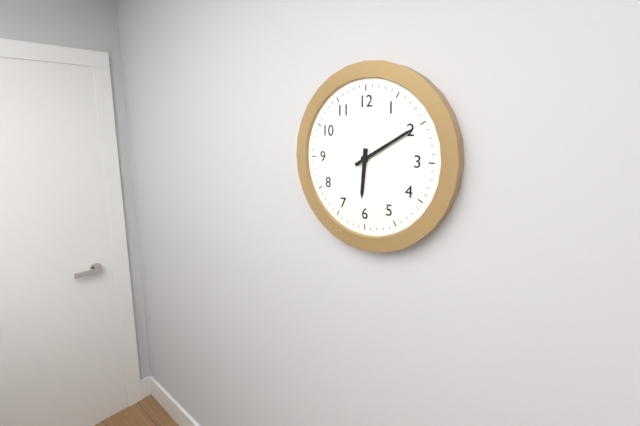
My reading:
h=6 m=10
